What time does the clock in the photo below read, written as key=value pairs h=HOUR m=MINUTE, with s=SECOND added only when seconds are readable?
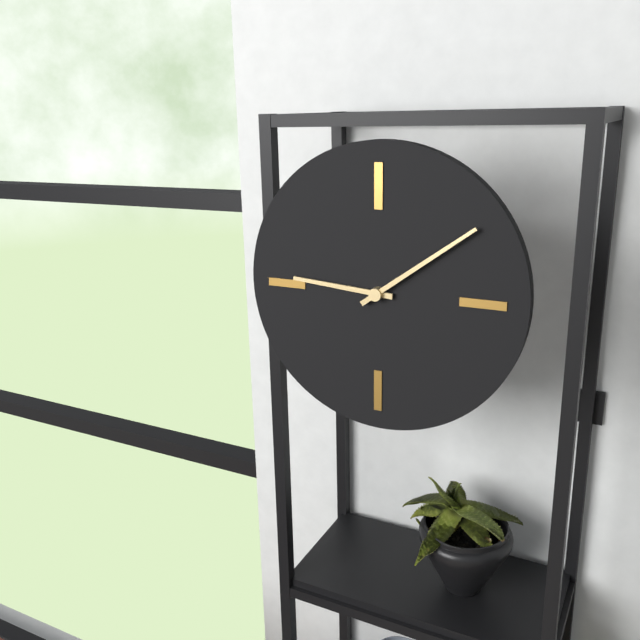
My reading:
h=9 m=9
